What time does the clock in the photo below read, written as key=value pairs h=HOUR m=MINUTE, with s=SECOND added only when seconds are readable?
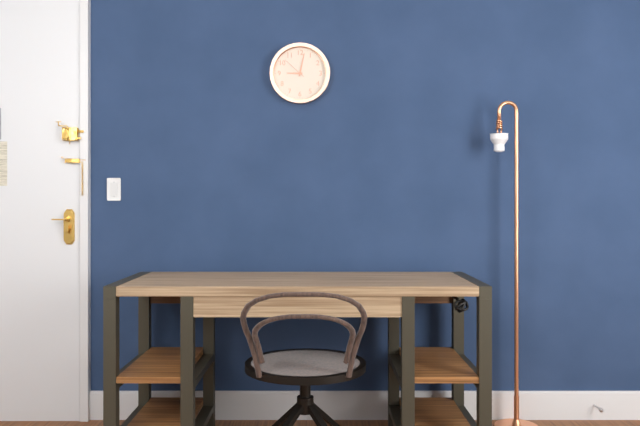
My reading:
h=9 m=2
